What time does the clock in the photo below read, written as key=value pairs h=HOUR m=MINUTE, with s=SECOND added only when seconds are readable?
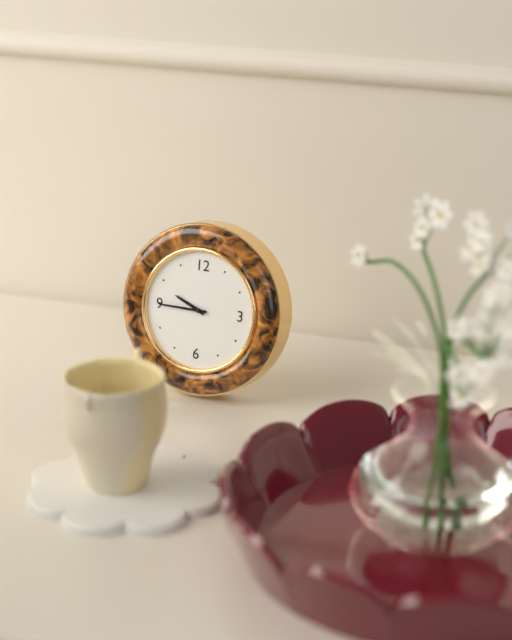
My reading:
h=9 m=45
